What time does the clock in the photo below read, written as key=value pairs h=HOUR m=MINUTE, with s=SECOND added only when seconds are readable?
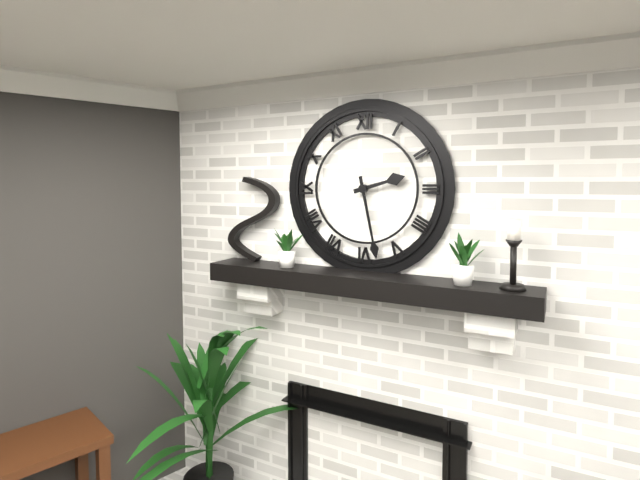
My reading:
h=2 m=28
